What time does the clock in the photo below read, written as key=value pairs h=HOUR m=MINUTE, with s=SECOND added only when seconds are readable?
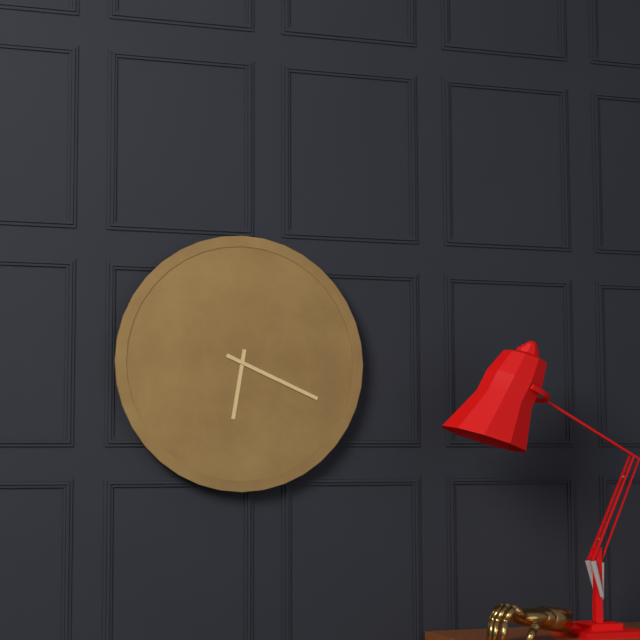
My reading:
h=6 m=19
